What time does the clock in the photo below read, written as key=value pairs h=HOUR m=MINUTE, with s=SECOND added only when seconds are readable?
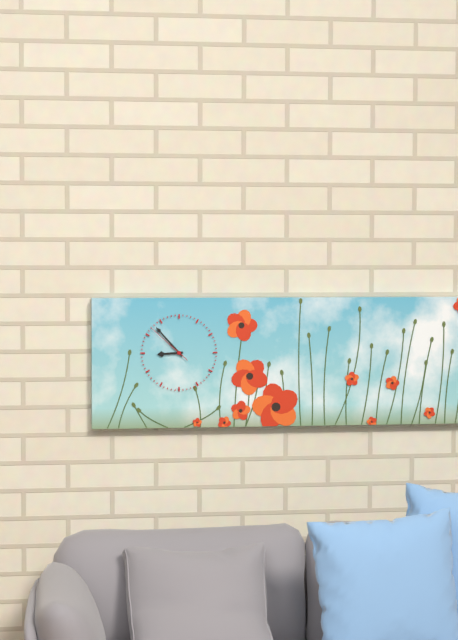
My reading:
h=8 m=53
